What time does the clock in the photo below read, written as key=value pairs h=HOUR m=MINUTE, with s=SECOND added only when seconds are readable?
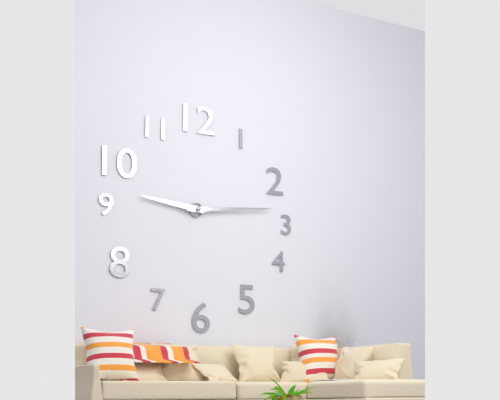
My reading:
h=9 m=14
